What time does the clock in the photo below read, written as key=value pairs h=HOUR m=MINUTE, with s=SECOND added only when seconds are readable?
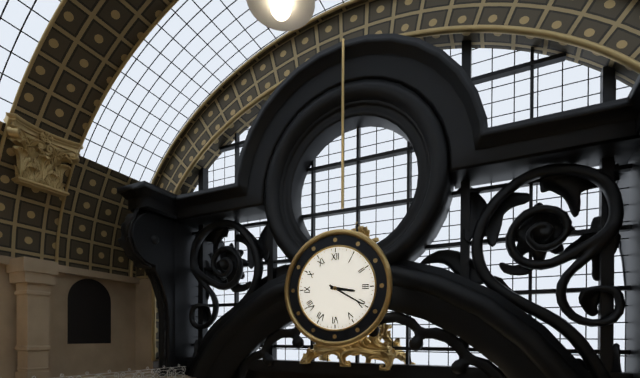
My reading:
h=3 m=20
